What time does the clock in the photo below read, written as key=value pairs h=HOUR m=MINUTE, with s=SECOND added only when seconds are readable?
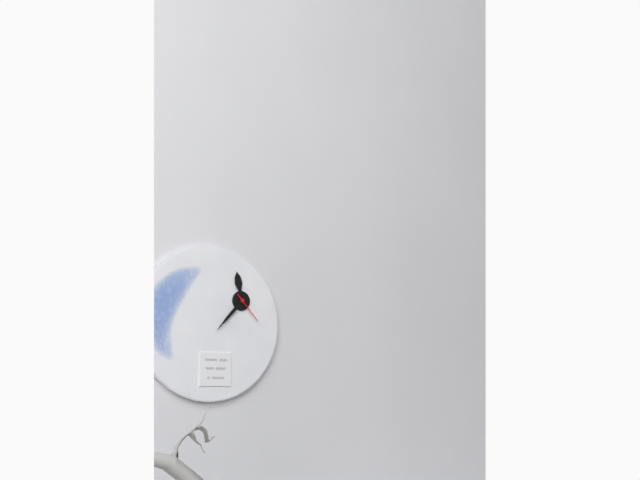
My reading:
h=11 m=37
